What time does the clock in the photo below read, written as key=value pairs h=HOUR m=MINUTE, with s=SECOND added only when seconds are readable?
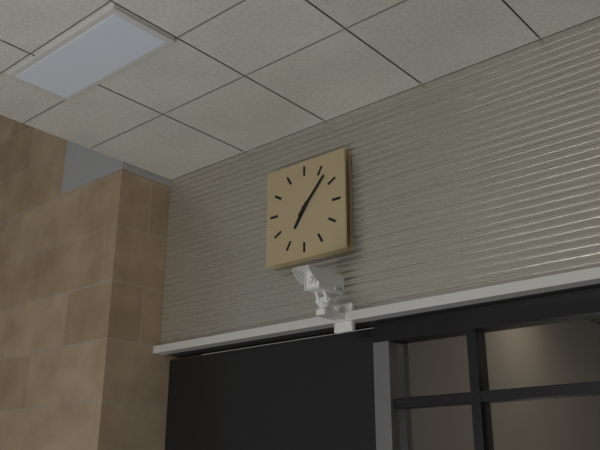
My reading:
h=7 m=7
